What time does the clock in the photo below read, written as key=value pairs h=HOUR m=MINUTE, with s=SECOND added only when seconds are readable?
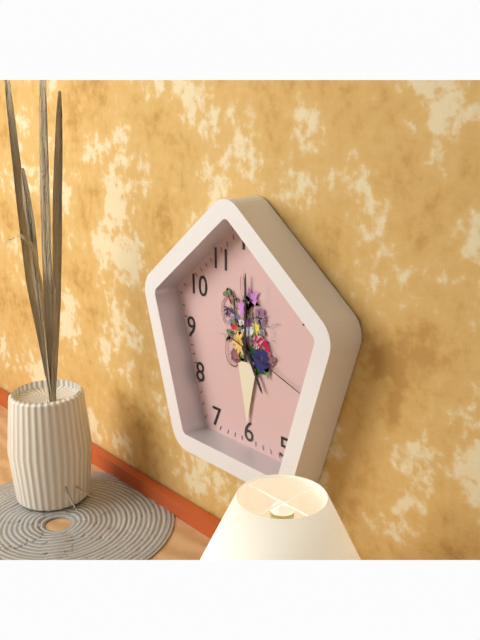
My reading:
h=5 m=0 s=18
